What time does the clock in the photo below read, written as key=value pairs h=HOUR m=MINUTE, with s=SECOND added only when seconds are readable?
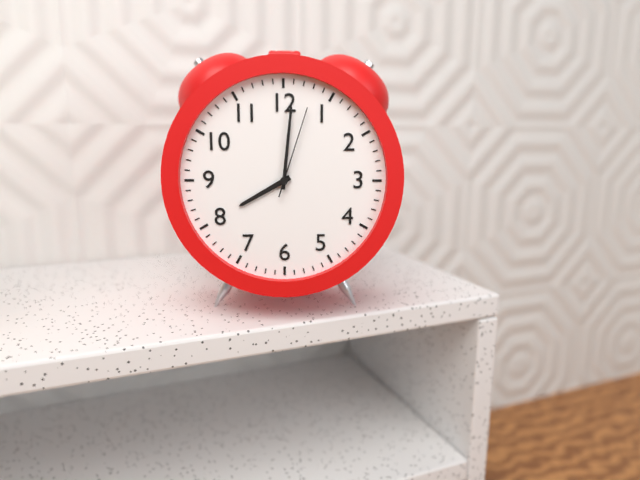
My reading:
h=8 m=1 s=3
